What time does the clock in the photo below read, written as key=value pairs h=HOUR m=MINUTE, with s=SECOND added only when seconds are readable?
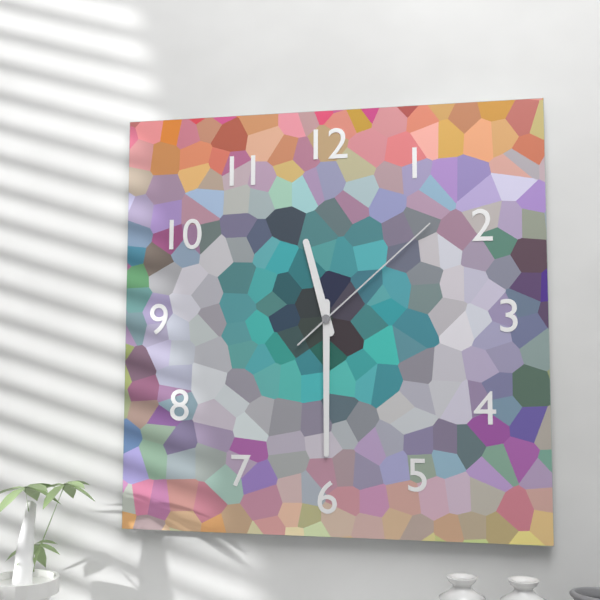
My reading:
h=11 m=30 s=8
